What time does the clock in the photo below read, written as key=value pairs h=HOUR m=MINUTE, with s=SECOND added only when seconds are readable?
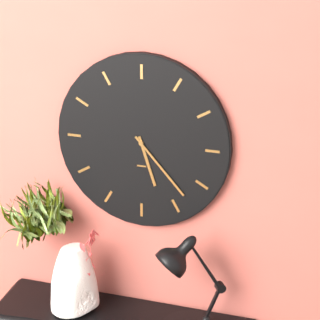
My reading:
h=5 m=23
